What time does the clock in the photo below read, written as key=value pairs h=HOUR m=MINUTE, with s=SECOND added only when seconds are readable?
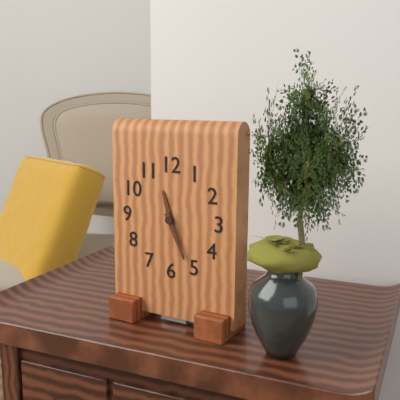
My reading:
h=11 m=26
